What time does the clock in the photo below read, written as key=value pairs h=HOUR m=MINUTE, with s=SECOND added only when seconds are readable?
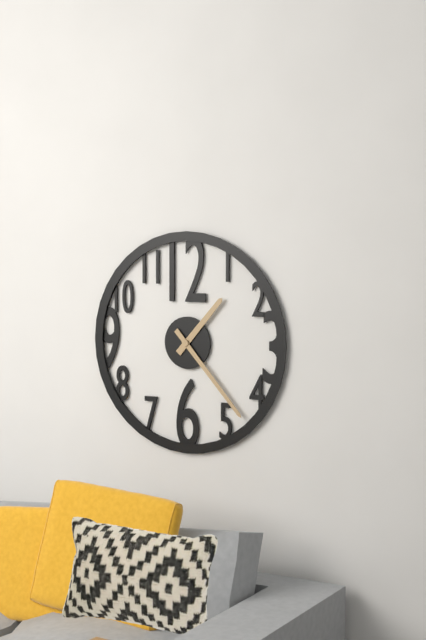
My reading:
h=1 m=23
